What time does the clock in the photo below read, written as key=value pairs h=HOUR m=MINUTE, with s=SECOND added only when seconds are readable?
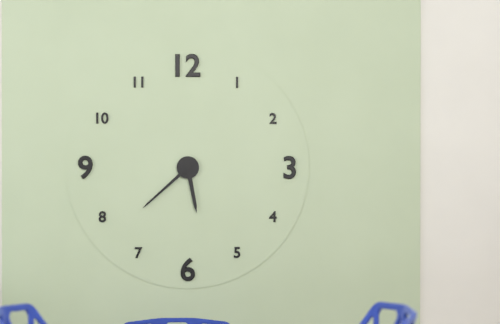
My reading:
h=5 m=38
